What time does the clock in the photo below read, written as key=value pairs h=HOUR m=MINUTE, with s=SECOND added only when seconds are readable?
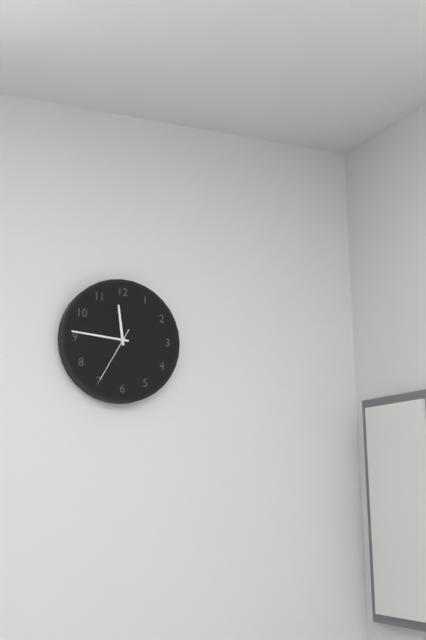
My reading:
h=11 m=46 s=35
